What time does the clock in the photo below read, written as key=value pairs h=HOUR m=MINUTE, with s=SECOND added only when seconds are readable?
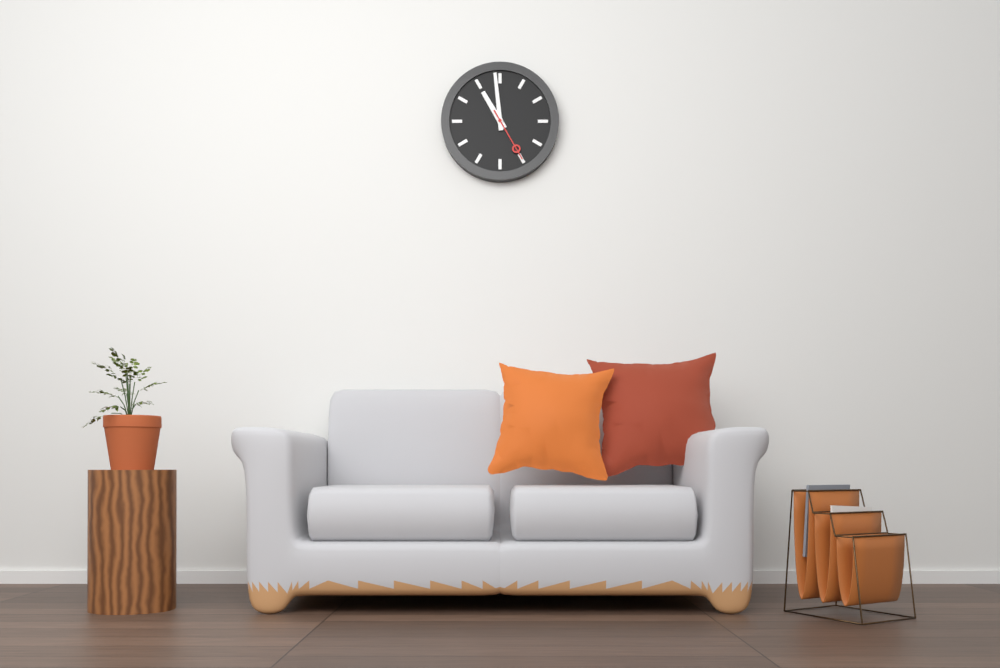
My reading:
h=10 m=59 s=25
